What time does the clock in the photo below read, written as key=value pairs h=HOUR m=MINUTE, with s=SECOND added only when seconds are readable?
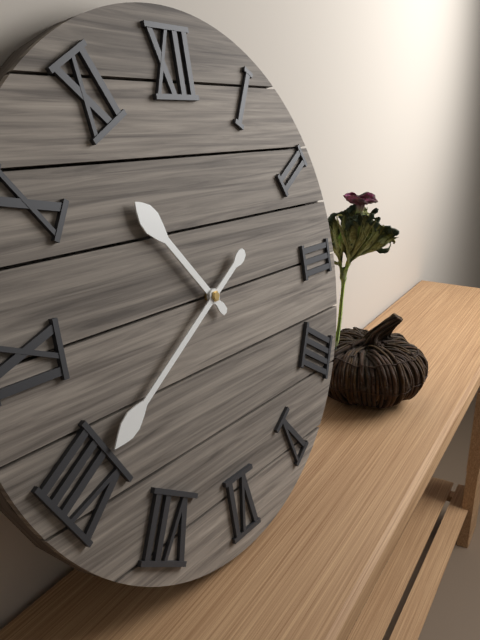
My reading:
h=10 m=40
